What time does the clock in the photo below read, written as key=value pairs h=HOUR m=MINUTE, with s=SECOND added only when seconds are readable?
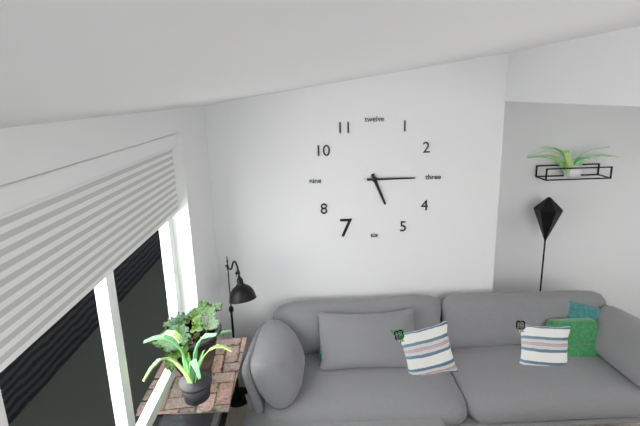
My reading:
h=5 m=15
